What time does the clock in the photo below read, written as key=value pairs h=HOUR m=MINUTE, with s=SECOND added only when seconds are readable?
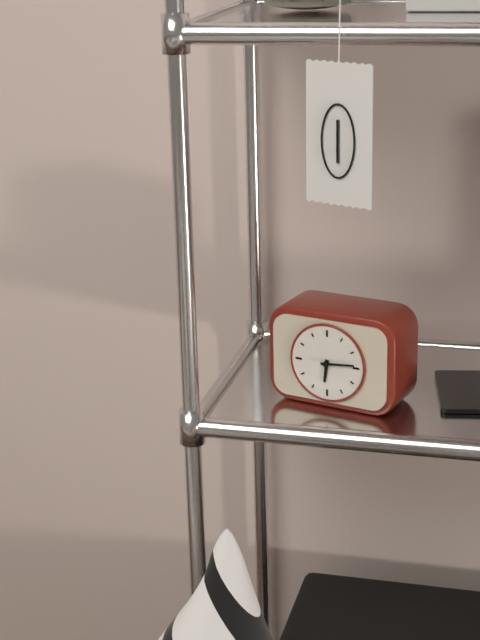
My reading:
h=6 m=14
